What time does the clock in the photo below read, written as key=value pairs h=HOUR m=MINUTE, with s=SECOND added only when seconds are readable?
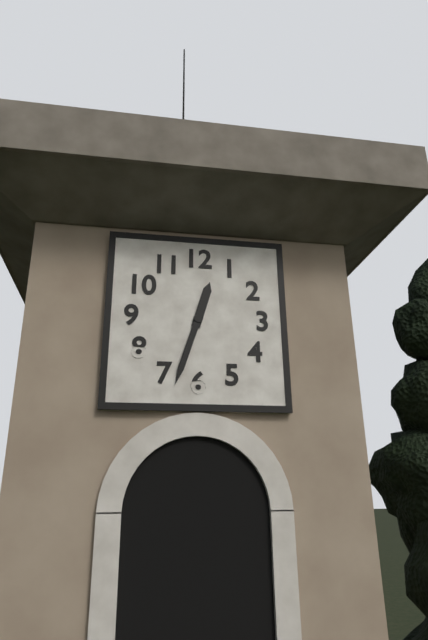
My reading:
h=12 m=33
